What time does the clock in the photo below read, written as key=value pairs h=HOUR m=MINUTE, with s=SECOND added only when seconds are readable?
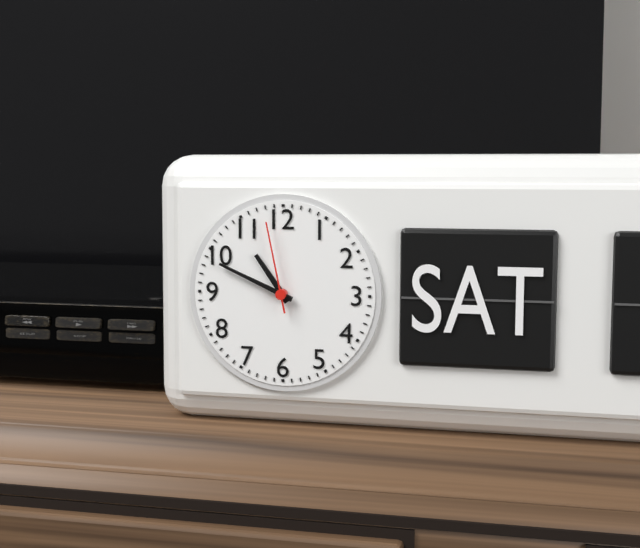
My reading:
h=10 m=49 s=58
